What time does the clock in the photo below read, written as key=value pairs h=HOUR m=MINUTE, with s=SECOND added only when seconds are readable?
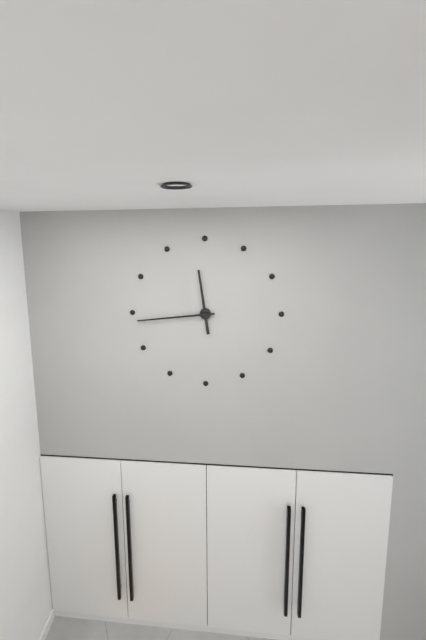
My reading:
h=11 m=44
